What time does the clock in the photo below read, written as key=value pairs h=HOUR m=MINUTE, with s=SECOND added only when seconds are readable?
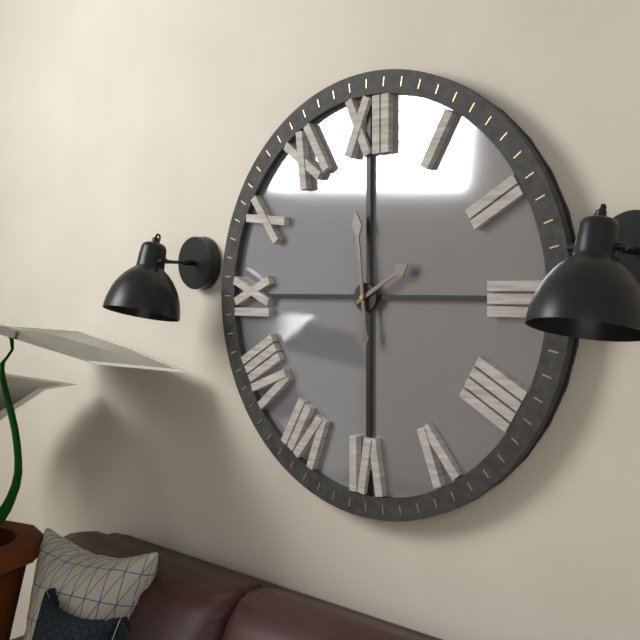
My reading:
h=1 m=59
